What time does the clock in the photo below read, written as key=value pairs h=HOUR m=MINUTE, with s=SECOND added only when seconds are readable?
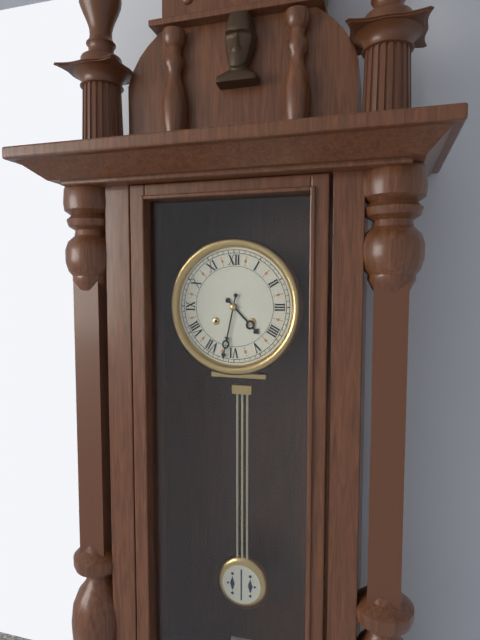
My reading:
h=4 m=32
